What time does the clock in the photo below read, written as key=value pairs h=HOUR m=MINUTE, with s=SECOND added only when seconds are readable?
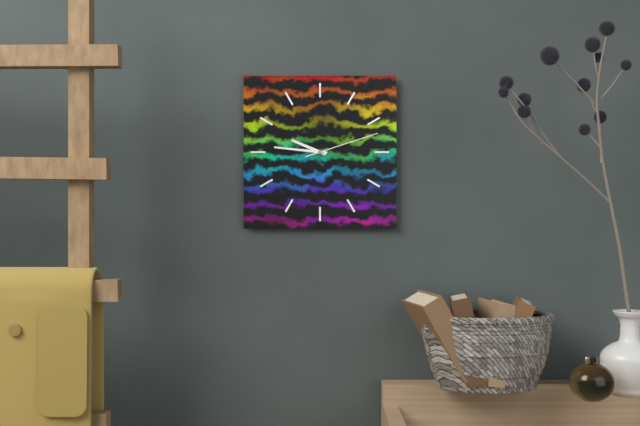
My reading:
h=9 m=46 s=12
